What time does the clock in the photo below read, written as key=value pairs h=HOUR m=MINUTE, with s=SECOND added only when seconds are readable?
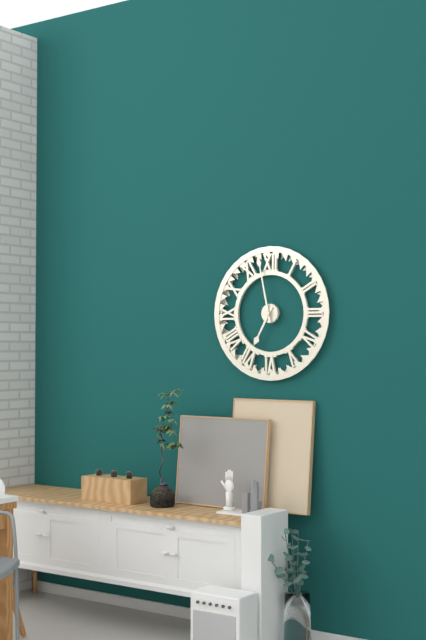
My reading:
h=6 m=58
